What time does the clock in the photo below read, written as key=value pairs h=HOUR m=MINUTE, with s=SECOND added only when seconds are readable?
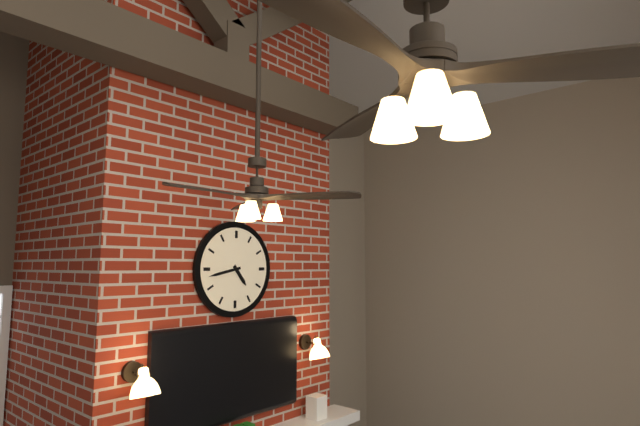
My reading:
h=4 m=43
